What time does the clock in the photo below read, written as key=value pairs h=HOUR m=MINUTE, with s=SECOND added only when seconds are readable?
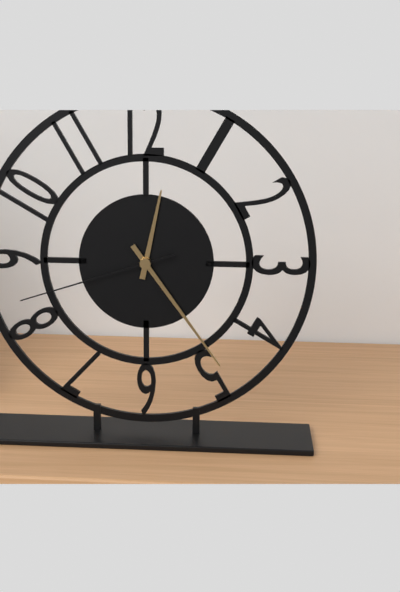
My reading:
h=12 m=24 s=42
